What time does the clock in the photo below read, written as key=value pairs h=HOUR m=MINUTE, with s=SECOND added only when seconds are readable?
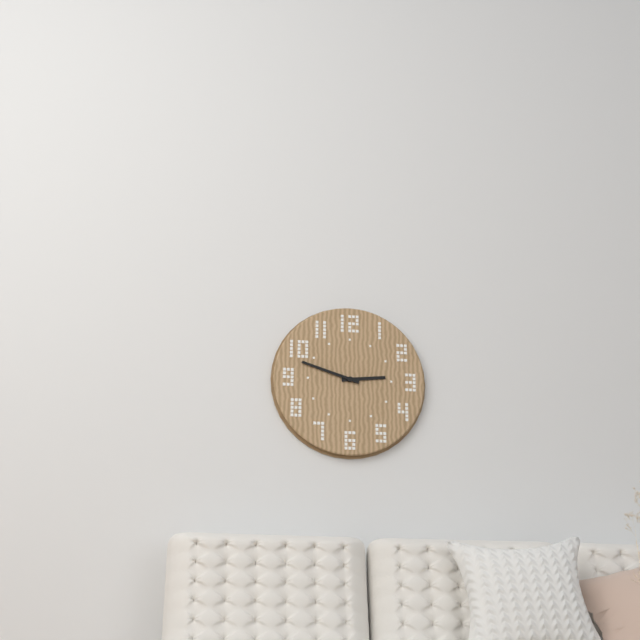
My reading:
h=2 m=48
